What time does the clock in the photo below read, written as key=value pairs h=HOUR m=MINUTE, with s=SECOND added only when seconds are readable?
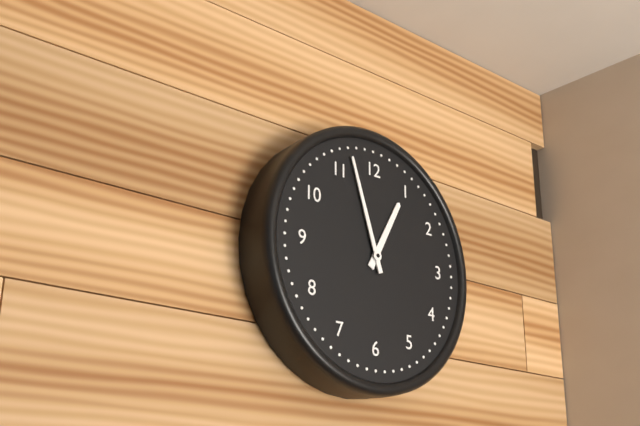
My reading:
h=12 m=57
